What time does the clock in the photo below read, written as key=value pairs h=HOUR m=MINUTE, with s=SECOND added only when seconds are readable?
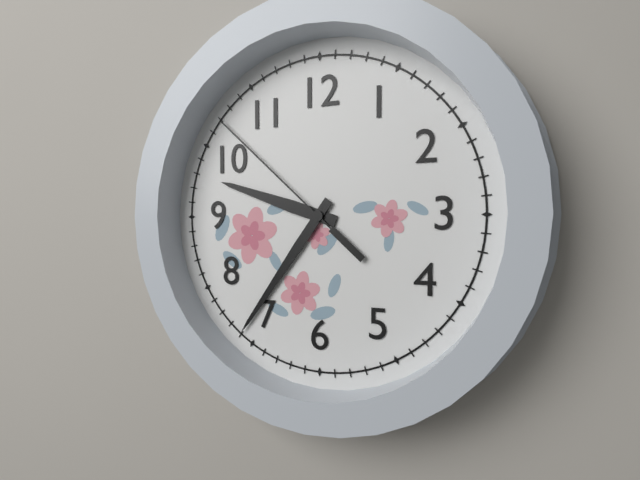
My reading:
h=9 m=36 s=52
